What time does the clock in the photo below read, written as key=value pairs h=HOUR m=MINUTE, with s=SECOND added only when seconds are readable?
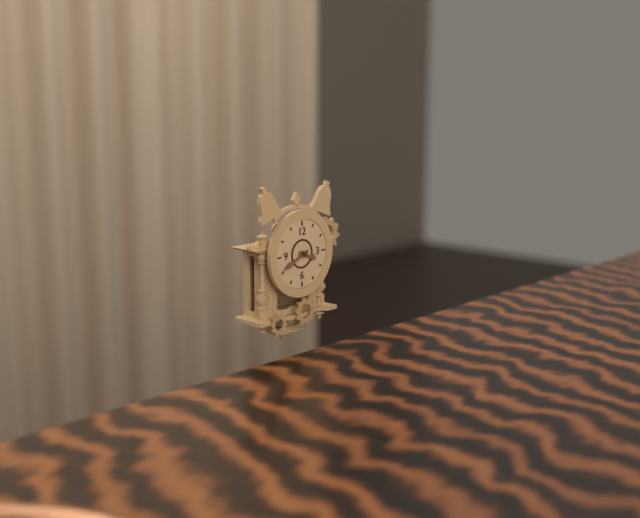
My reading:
h=3 m=41
